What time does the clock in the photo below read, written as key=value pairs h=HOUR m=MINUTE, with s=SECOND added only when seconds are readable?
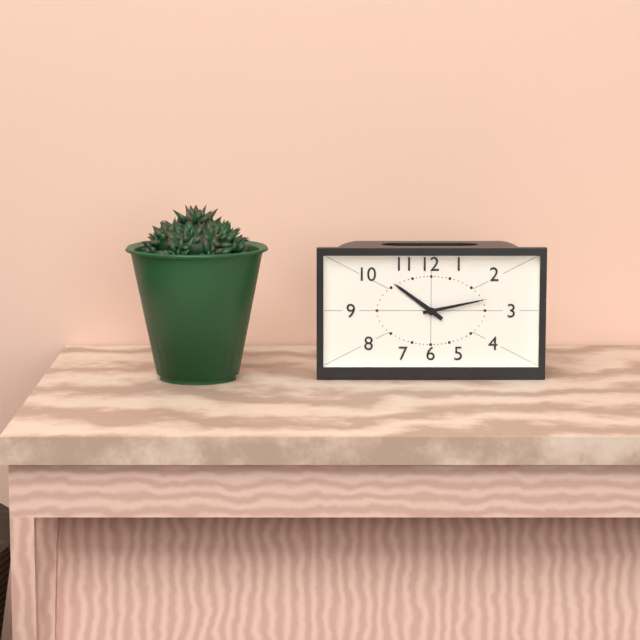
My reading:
h=10 m=13
